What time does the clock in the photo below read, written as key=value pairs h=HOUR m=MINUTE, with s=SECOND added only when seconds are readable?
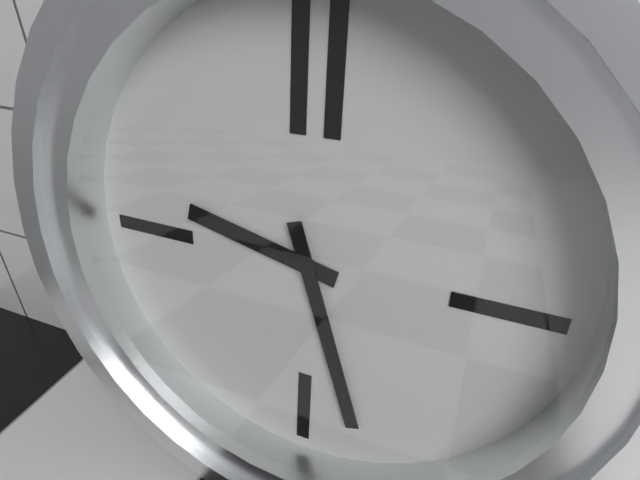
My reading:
h=9 m=27
